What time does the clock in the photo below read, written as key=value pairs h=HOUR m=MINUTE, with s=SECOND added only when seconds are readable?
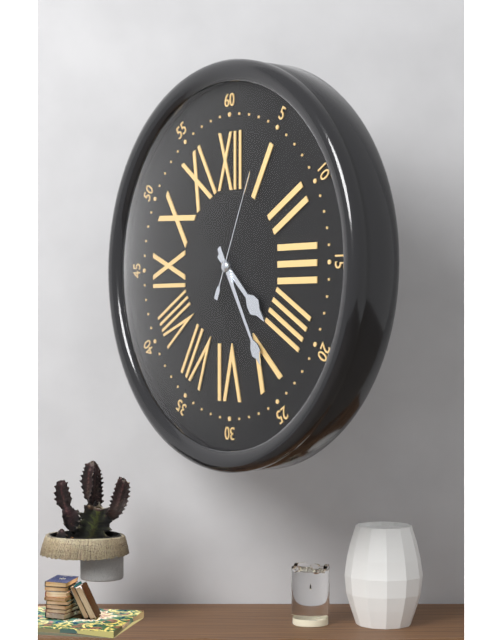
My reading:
h=4 m=25 s=4
